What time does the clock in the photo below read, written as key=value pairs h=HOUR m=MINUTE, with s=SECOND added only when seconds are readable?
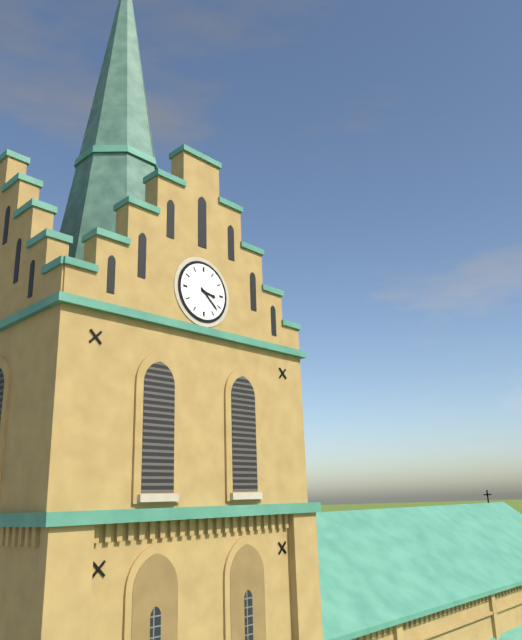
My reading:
h=3 m=22
